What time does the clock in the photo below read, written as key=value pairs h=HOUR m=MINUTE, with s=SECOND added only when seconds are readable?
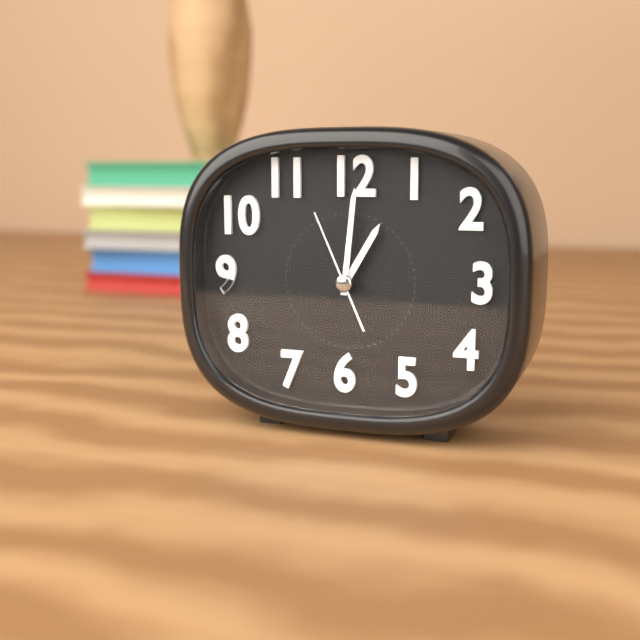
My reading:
h=1 m=1 s=56
